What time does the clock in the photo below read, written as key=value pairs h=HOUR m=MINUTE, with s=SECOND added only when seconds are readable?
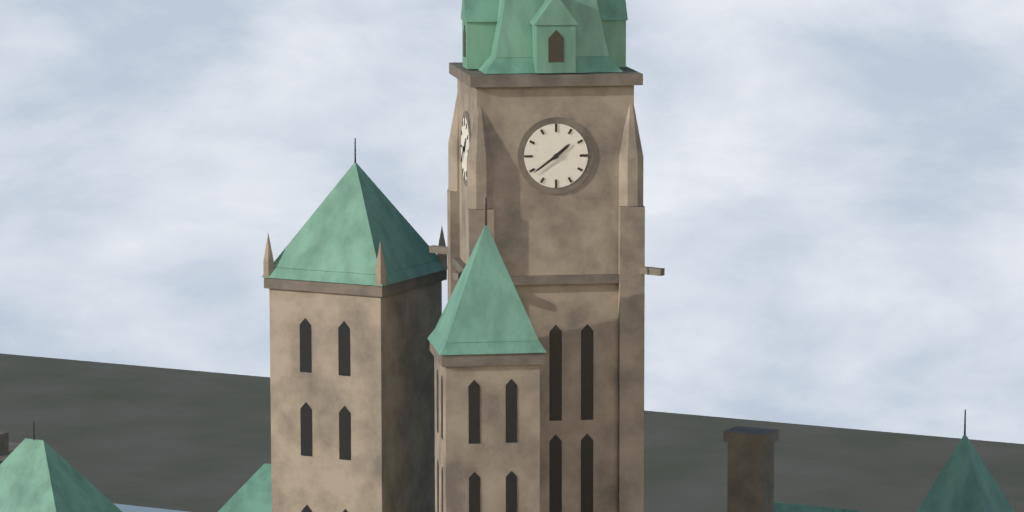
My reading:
h=1 m=39
